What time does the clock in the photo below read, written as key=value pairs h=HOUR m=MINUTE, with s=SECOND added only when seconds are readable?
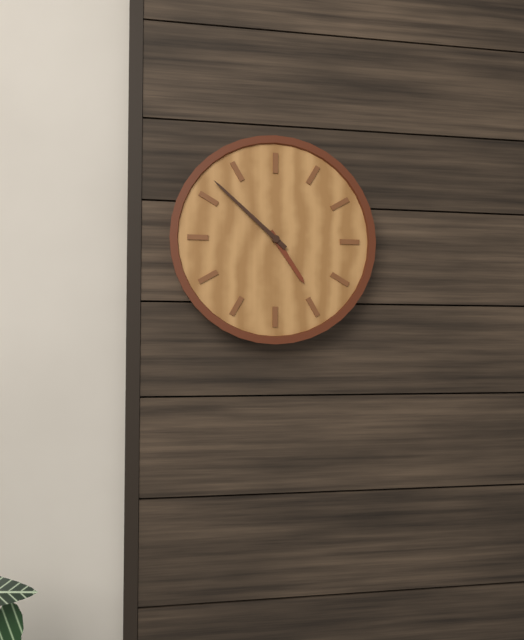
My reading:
h=4 m=52
